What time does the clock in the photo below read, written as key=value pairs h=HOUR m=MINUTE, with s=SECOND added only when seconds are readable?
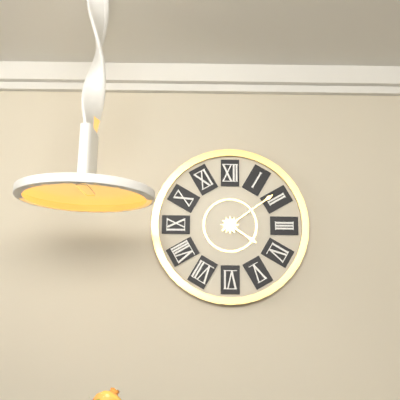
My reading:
h=4 m=9
